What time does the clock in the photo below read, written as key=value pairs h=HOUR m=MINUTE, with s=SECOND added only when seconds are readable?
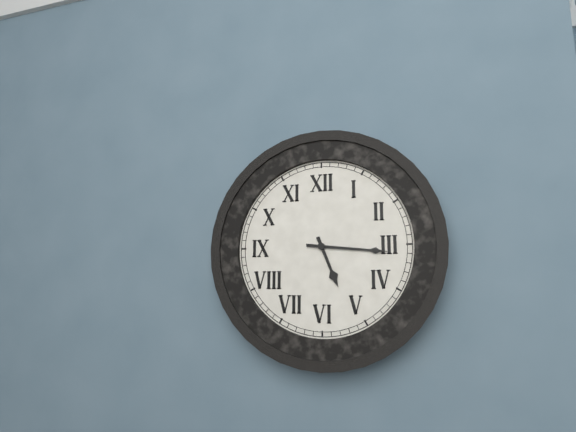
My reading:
h=5 m=16
